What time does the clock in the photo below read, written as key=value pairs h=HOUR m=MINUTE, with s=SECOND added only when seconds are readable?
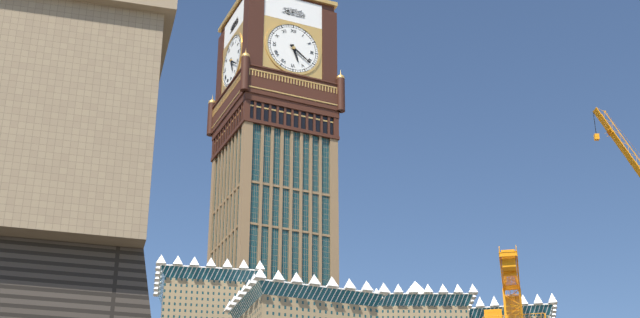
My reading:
h=5 m=21
